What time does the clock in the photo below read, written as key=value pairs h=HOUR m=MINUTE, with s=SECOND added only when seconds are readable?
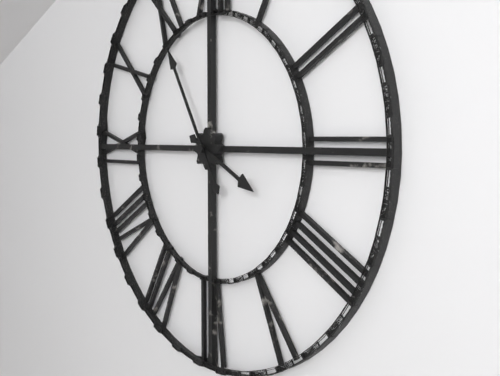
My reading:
h=3 m=55
